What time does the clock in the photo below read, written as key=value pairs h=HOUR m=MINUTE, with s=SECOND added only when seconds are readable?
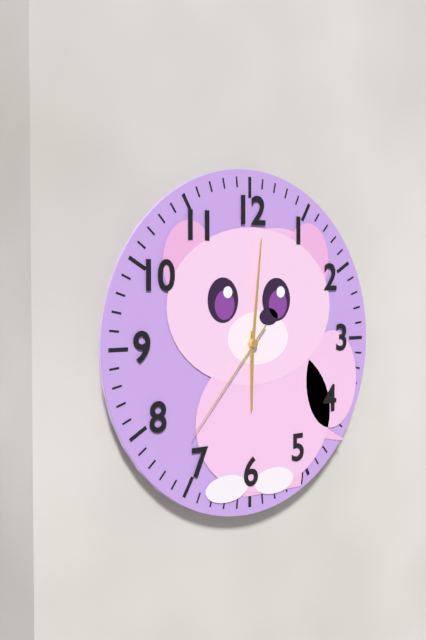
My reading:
h=6 m=1 s=37
